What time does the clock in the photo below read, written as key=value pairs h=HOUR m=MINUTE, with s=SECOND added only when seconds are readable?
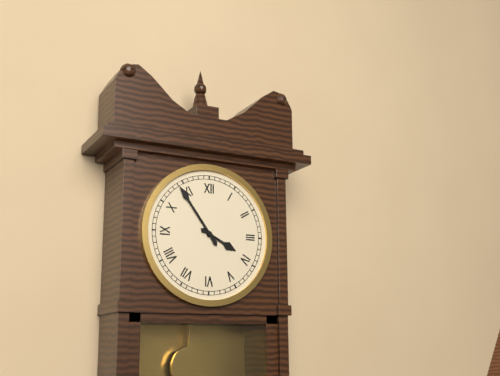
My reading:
h=3 m=54
